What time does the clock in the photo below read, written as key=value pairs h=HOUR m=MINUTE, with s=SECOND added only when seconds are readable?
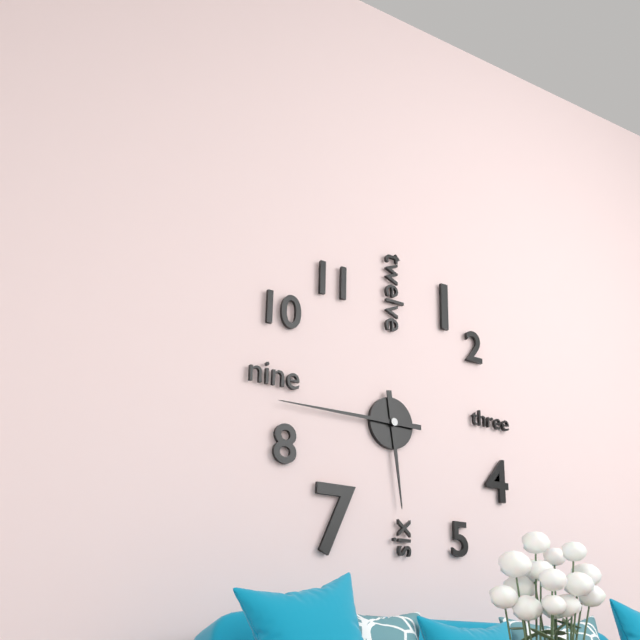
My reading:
h=5 m=45
